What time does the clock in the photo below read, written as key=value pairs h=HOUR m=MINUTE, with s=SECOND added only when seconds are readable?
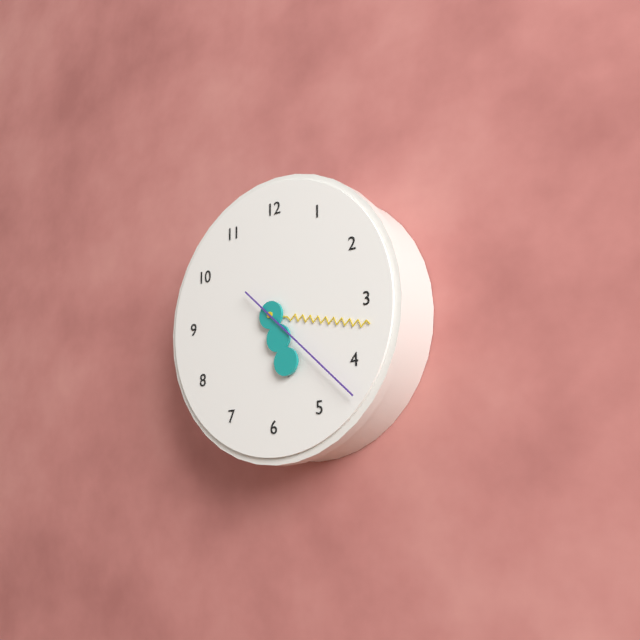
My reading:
h=5 m=17 s=22
